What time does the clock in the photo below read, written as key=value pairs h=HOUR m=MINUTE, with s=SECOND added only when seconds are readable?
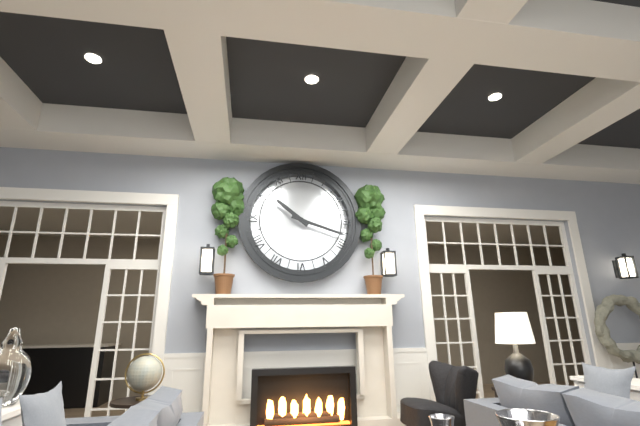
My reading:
h=10 m=18
